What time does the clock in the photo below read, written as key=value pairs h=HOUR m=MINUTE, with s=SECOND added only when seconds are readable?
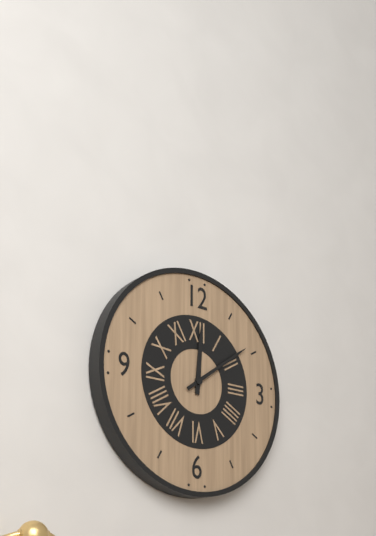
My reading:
h=12 m=9
